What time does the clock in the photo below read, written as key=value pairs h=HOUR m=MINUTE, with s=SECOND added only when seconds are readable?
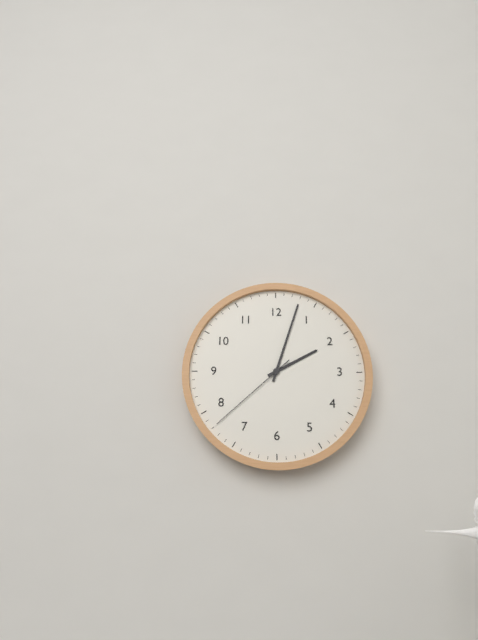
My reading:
h=2 m=3 s=38
